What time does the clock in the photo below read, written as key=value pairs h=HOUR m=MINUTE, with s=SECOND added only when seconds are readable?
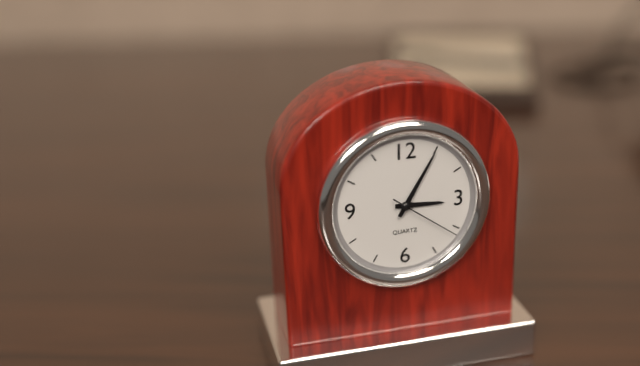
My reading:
h=3 m=5 s=21
